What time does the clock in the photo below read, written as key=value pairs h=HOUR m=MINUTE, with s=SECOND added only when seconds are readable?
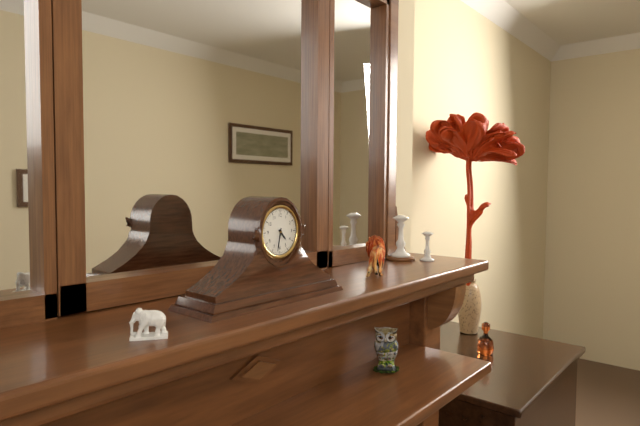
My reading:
h=4 m=32
